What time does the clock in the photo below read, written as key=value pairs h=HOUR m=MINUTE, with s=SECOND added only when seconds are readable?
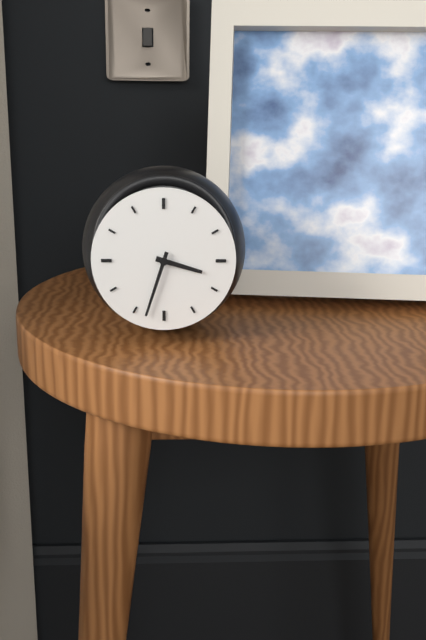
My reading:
h=3 m=33
